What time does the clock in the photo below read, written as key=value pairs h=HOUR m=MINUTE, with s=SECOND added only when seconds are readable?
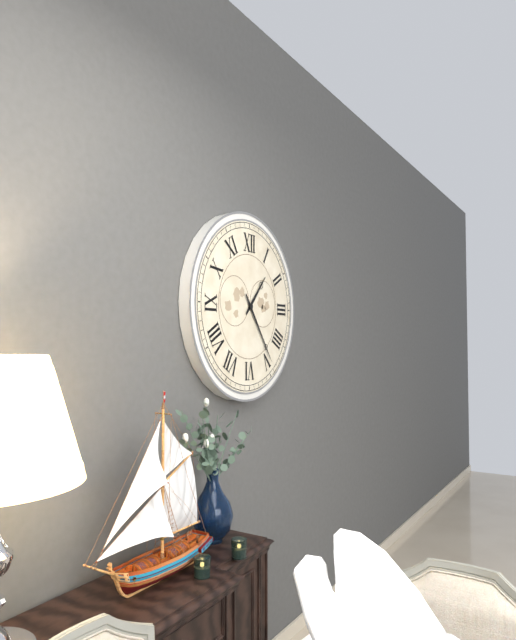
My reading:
h=1 m=24
